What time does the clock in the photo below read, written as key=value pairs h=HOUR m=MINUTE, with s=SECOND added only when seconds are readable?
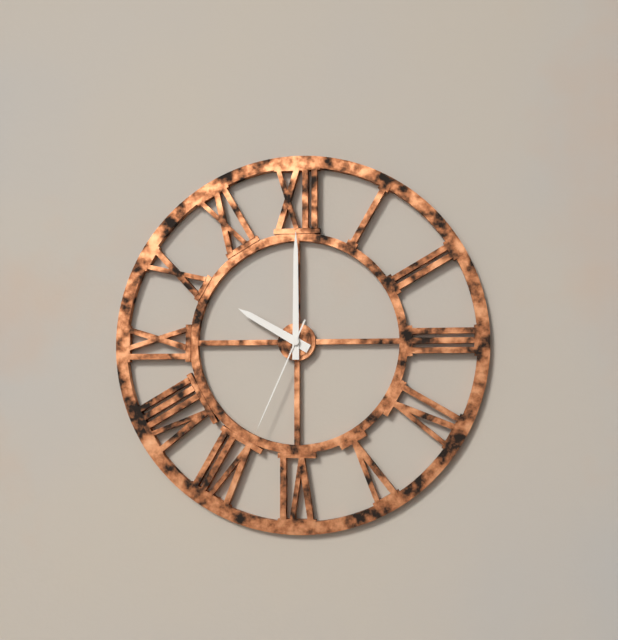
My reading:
h=10 m=0 s=34
